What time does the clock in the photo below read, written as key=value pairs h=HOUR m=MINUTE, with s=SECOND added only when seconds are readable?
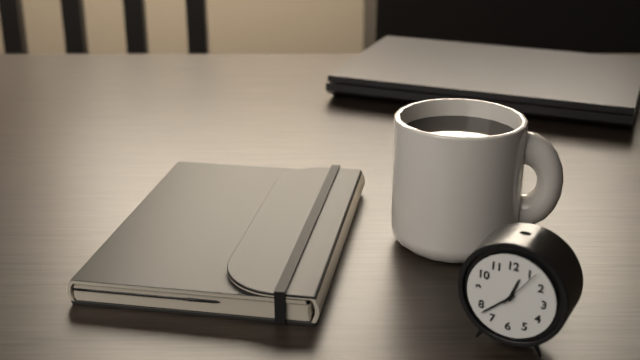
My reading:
h=12 m=38
